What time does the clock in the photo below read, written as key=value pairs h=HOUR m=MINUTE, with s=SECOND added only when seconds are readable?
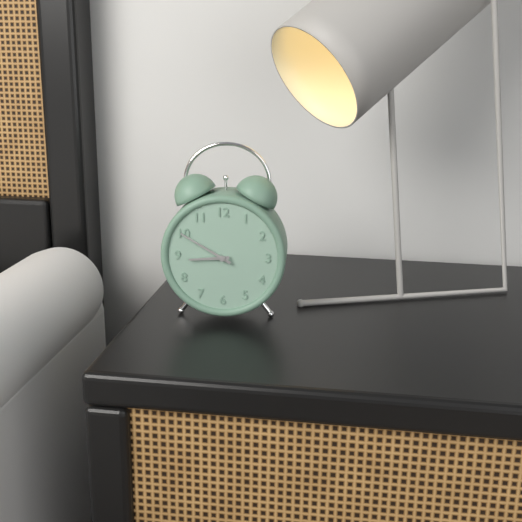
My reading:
h=8 m=50
